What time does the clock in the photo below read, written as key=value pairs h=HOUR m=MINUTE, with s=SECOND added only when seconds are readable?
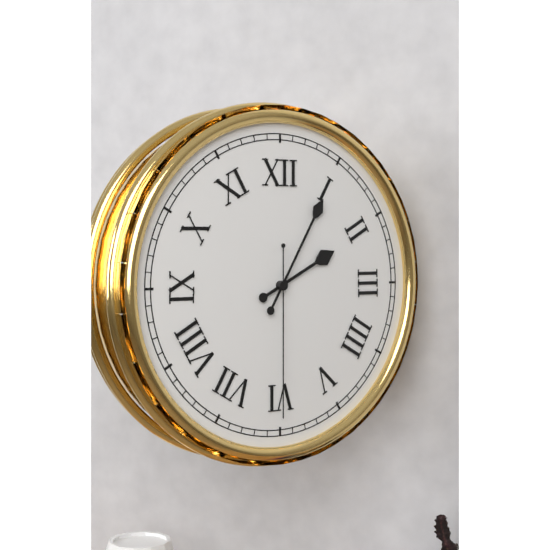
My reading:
h=2 m=5 s=30
